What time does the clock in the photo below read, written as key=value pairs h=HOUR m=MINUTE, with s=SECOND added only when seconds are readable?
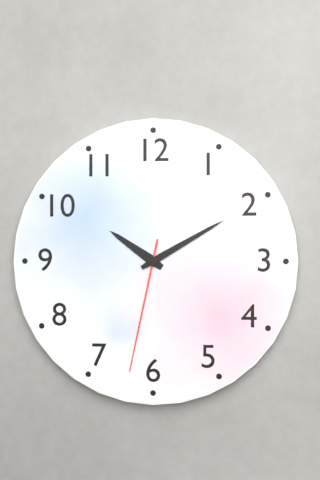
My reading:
h=10 m=10 s=32
